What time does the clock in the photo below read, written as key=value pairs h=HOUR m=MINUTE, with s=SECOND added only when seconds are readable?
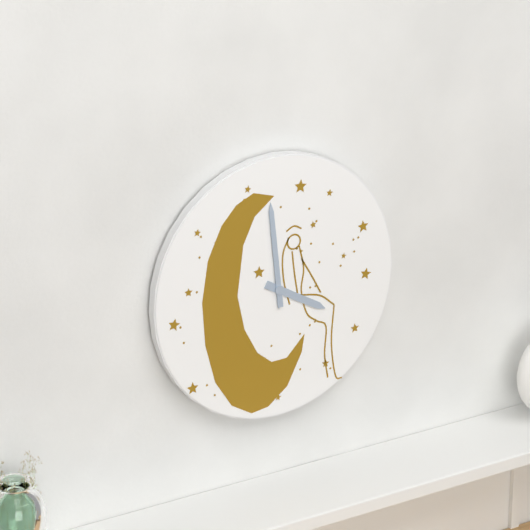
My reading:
h=3 m=59
